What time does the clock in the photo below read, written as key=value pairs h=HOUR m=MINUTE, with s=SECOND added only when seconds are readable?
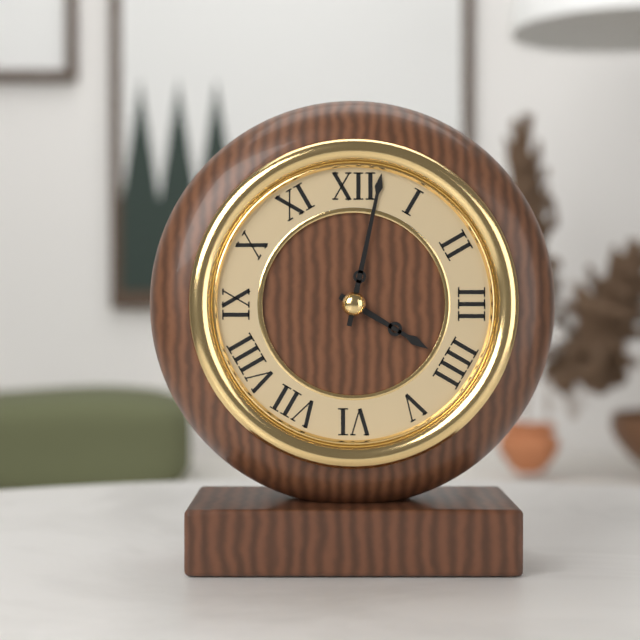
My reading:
h=4 m=2
